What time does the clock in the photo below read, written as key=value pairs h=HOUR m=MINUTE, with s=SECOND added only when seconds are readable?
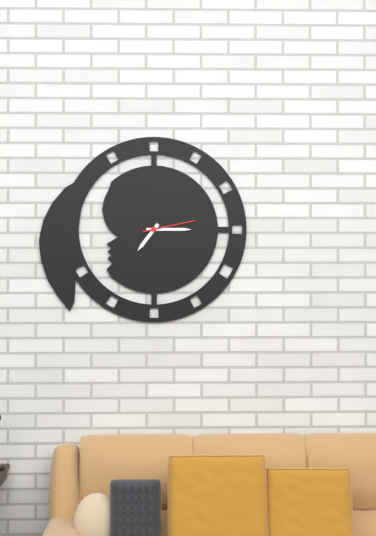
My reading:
h=7 m=15 s=13
